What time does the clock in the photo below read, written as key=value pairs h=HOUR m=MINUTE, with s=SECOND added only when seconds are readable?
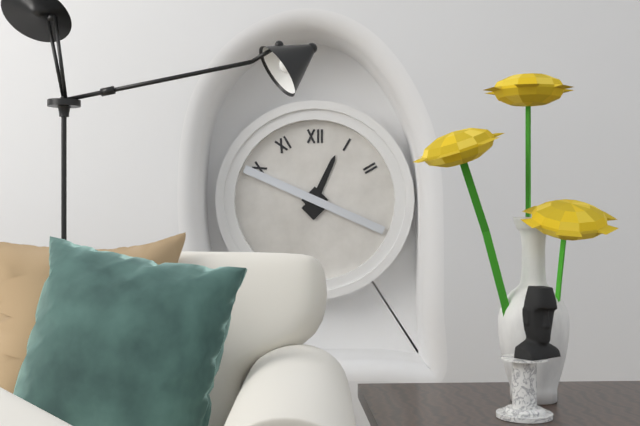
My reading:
h=12 m=49
